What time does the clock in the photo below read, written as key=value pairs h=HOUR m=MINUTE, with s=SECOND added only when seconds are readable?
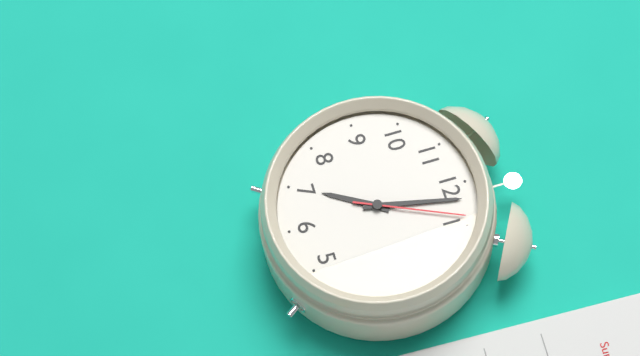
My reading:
h=7 m=2 s=4
